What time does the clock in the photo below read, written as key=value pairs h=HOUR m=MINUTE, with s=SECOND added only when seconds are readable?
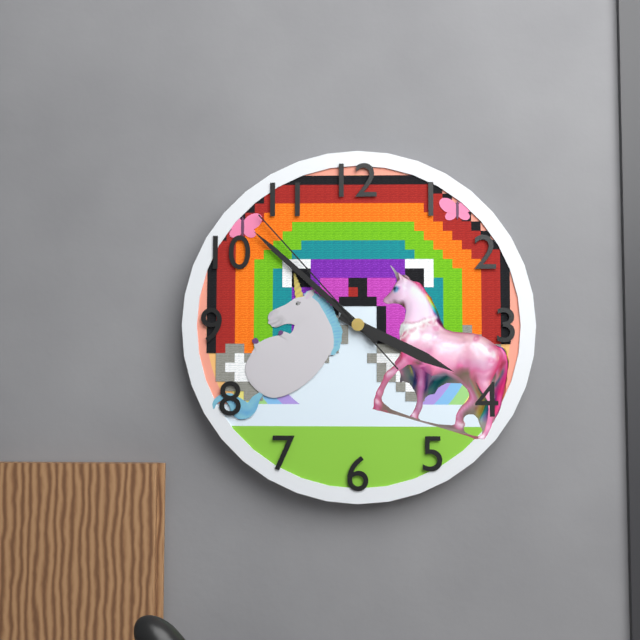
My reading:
h=3 m=52 s=53
